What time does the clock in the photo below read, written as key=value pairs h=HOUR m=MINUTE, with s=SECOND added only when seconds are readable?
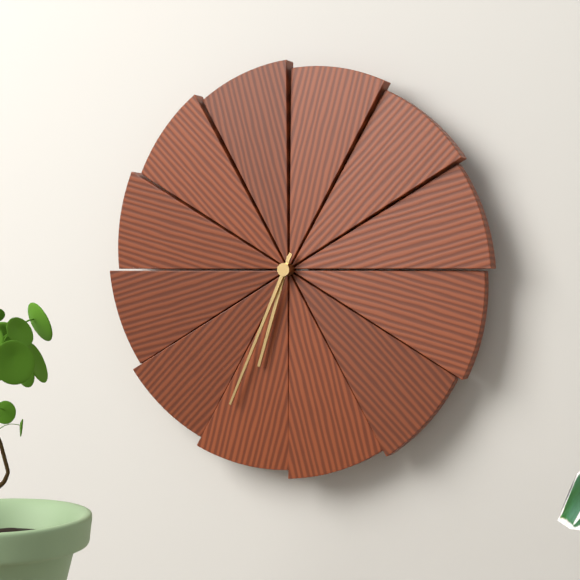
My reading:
h=6 m=34
